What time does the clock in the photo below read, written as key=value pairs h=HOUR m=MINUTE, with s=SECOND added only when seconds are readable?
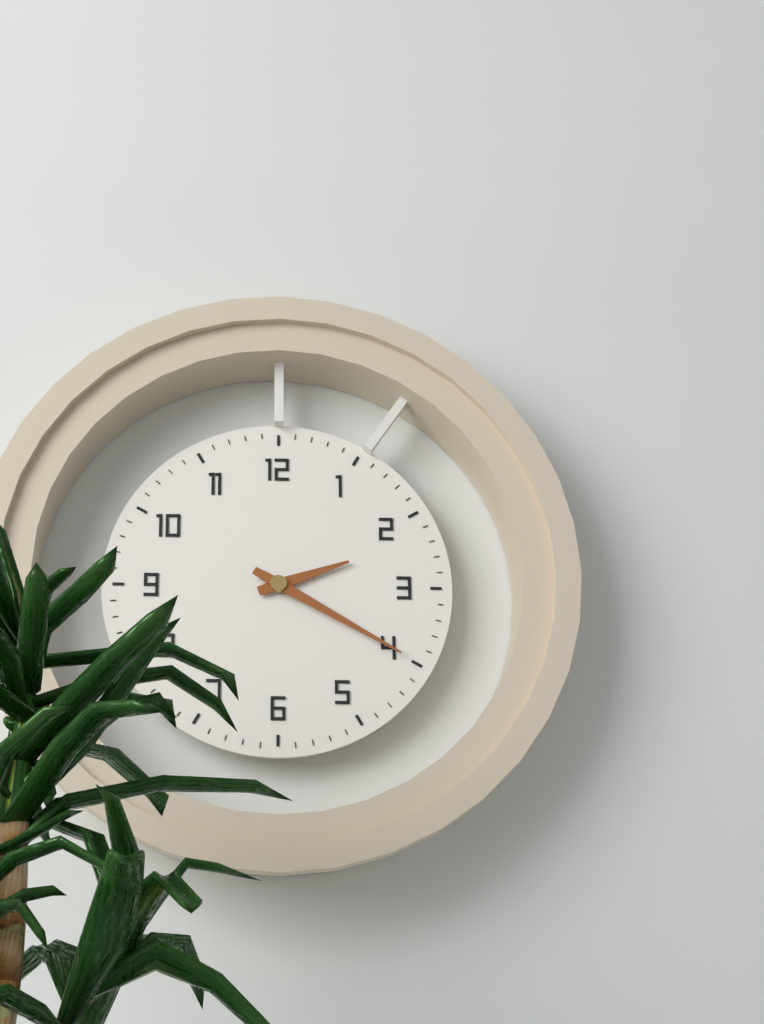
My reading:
h=2 m=20
